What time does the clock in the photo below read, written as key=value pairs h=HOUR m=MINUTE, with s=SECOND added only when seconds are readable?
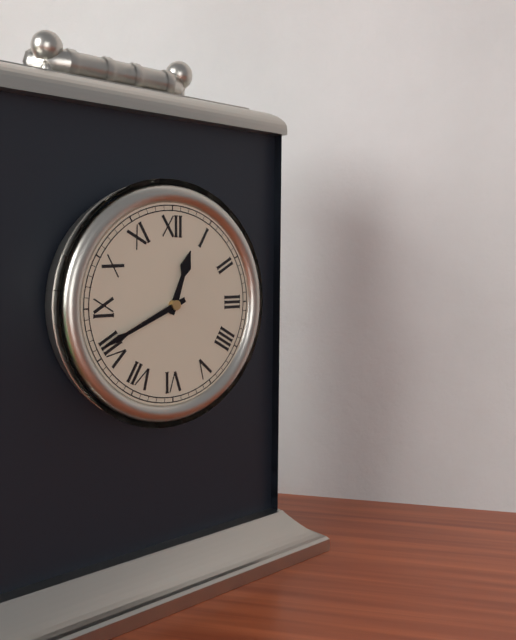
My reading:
h=12 m=41
